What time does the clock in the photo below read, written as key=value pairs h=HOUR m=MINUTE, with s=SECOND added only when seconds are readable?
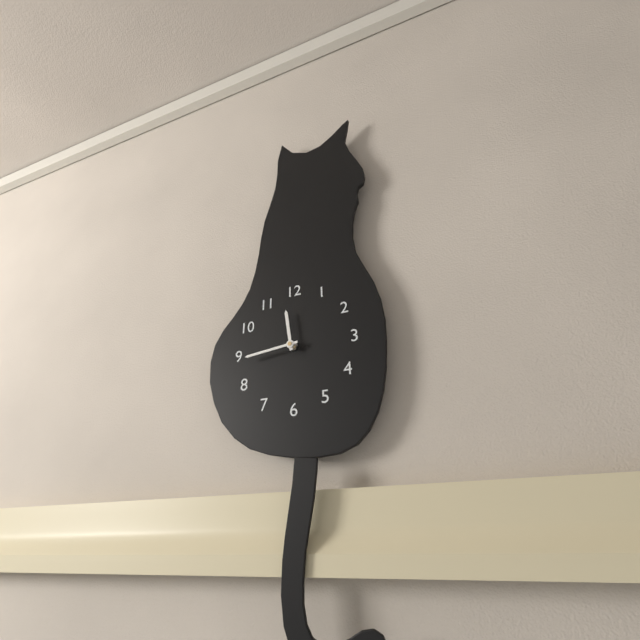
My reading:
h=11 m=44
